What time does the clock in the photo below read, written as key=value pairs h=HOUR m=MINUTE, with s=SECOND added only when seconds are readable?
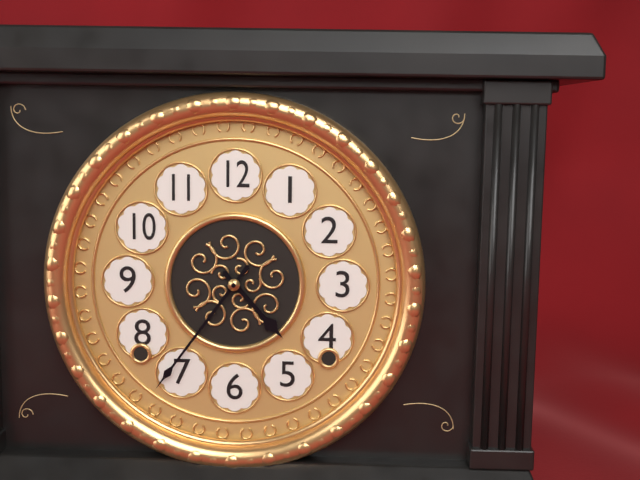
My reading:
h=4 m=36
